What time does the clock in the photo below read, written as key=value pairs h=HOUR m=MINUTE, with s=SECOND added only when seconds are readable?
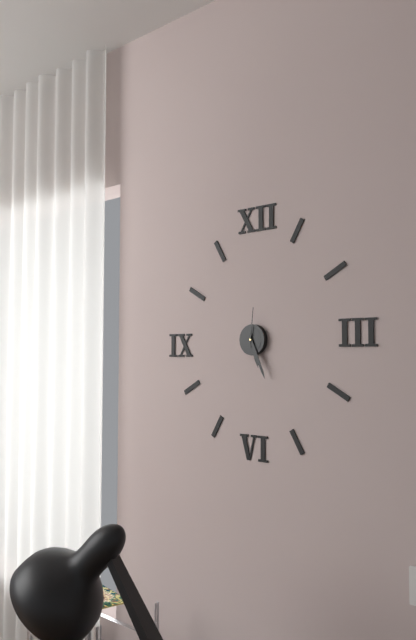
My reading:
h=5 m=26
